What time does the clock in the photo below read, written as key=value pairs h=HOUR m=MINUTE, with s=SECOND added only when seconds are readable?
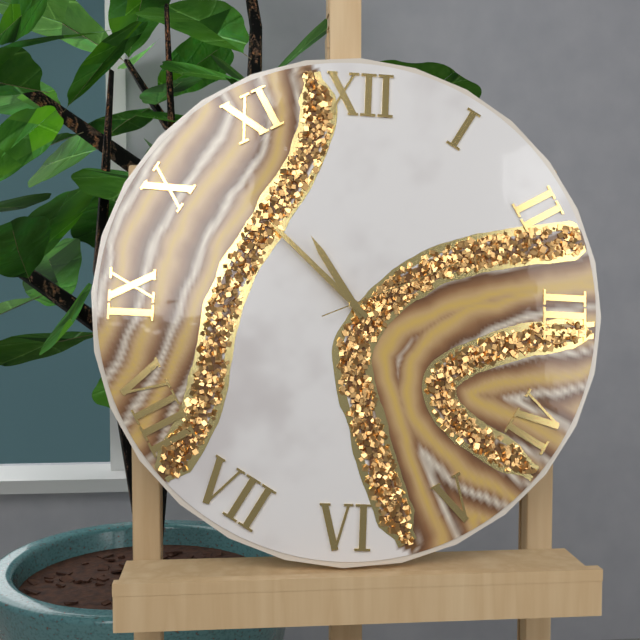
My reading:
h=10 m=52 s=11
